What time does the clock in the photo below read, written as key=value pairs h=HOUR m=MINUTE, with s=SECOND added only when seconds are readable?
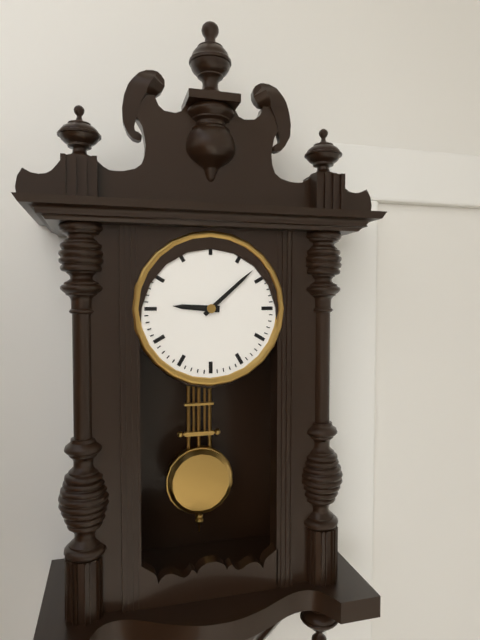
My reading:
h=9 m=8
